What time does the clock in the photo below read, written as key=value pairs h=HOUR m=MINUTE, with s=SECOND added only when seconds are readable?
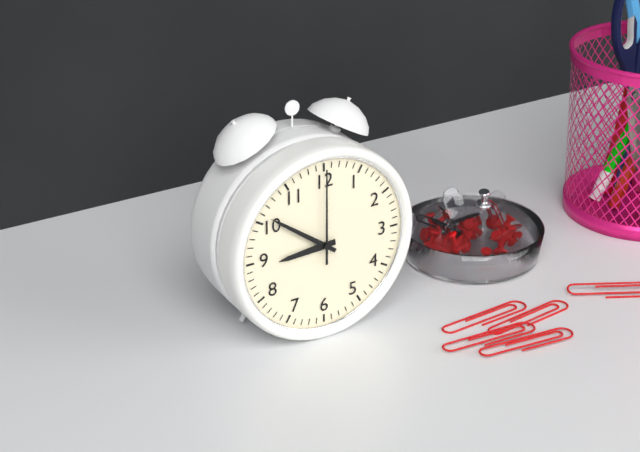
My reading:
h=8 m=51 s=0
